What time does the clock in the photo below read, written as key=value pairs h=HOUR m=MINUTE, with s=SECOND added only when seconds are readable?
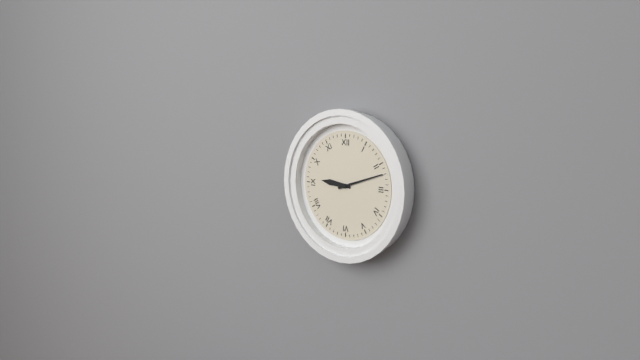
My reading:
h=9 m=12
